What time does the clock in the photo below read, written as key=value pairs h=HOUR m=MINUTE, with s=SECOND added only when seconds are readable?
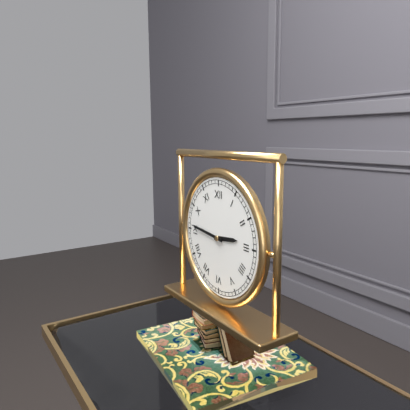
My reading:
h=2 m=46
